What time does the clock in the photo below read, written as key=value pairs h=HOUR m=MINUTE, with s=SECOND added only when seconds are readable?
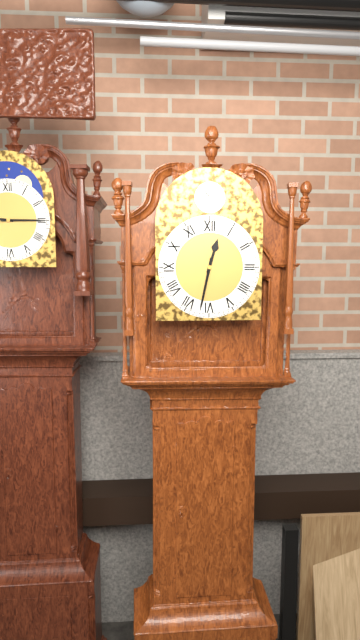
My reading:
h=12 m=32
